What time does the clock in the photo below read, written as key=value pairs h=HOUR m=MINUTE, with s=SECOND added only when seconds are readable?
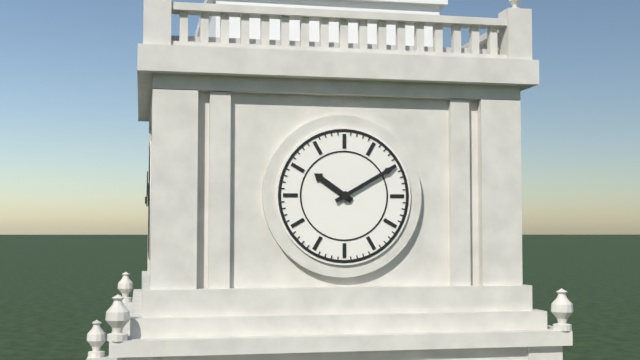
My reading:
h=10 m=10
